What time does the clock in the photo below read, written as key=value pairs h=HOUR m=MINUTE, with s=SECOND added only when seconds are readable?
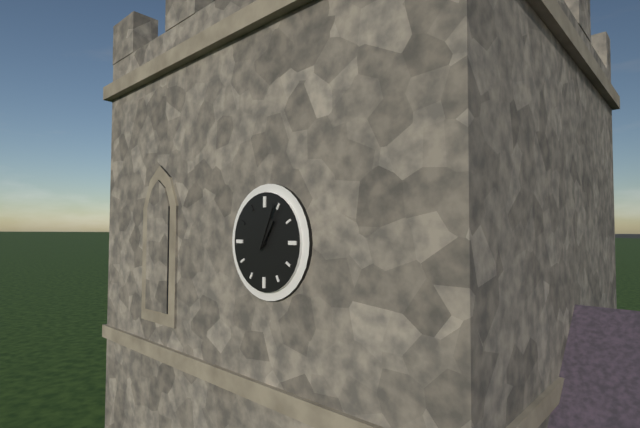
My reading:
h=1 m=4
